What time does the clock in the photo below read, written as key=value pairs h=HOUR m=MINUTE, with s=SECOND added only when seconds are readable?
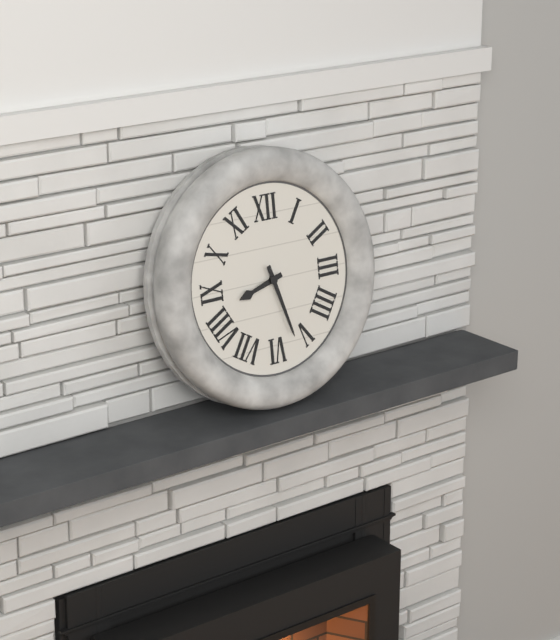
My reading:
h=8 m=27
